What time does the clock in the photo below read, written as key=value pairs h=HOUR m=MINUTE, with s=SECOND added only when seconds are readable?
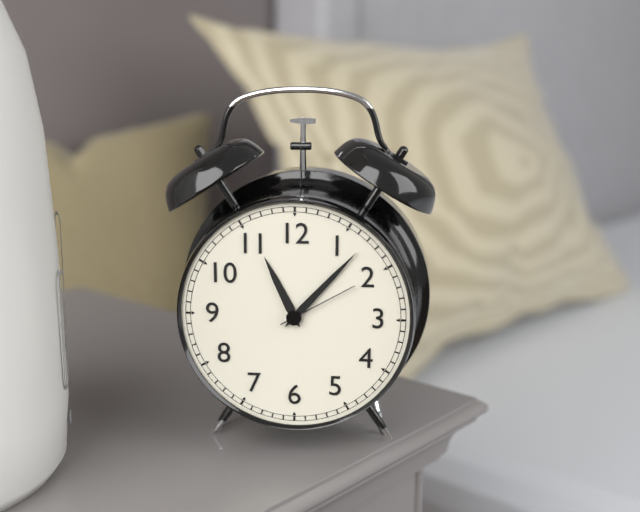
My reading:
h=11 m=7 s=10
